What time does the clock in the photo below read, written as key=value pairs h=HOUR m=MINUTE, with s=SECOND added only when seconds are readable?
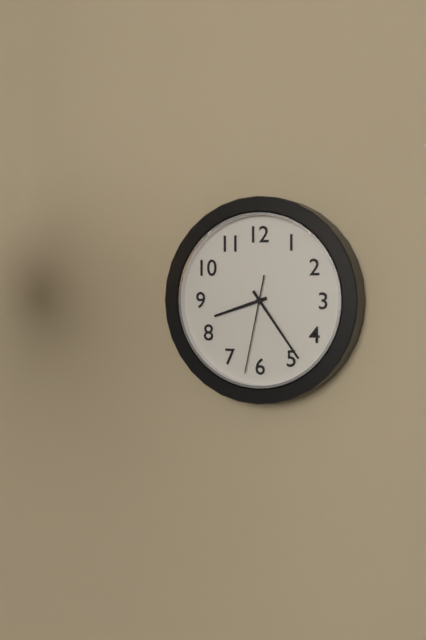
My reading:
h=8 m=24 s=32
